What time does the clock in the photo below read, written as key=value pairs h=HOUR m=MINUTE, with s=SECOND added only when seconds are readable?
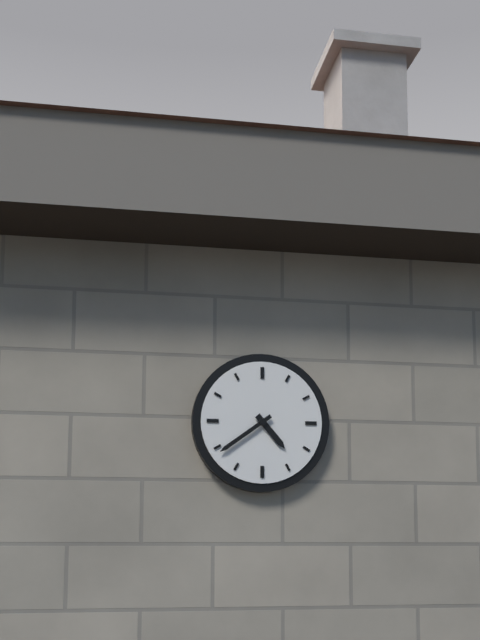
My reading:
h=4 m=39
